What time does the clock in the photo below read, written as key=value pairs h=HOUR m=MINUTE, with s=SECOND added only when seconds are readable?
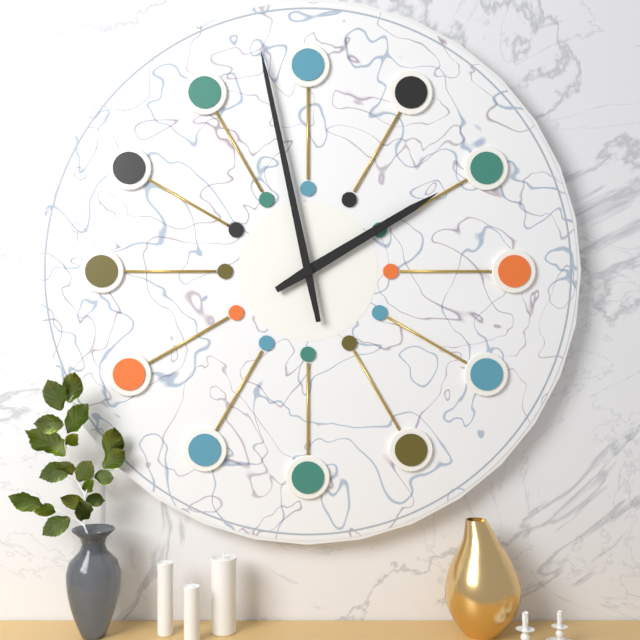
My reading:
h=1 m=58
